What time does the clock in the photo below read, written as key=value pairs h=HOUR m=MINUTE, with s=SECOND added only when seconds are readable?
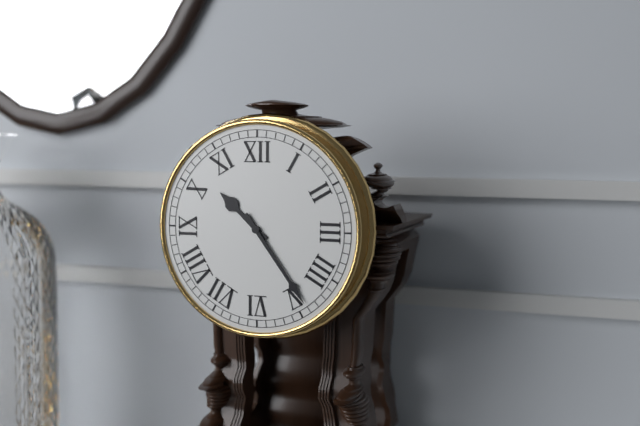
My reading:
h=10 m=24
